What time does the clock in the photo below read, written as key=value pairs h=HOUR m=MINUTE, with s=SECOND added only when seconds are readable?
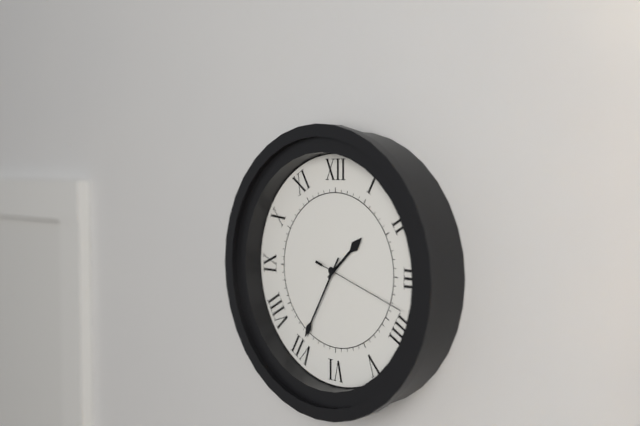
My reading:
h=1 m=35 s=18
